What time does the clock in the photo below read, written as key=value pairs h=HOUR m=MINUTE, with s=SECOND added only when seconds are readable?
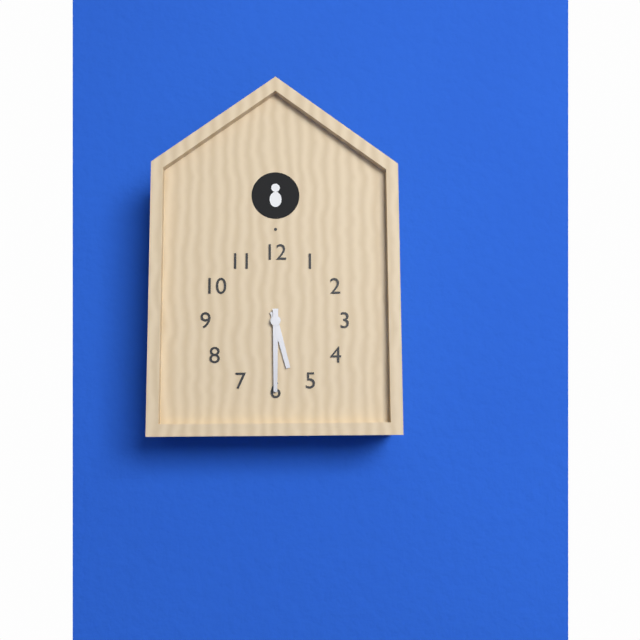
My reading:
h=5 m=30
